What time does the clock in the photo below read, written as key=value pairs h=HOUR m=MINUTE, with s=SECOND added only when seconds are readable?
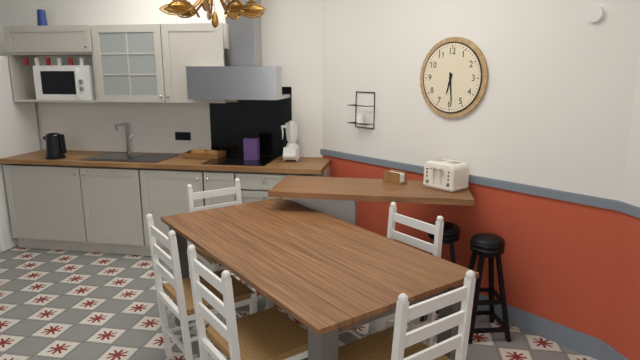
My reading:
h=6 m=29
